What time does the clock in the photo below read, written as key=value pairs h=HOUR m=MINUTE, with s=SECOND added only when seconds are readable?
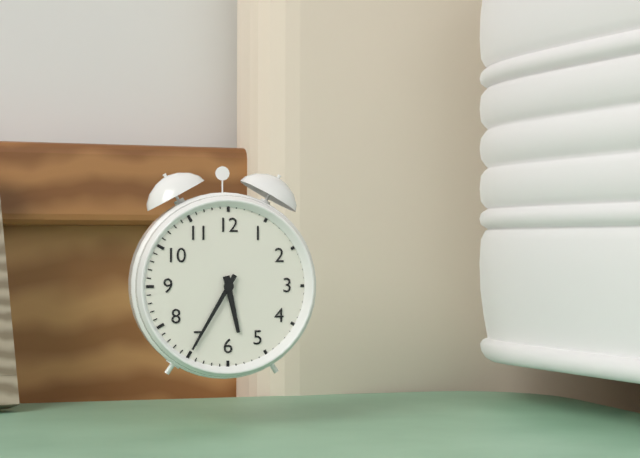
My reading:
h=5 m=35
